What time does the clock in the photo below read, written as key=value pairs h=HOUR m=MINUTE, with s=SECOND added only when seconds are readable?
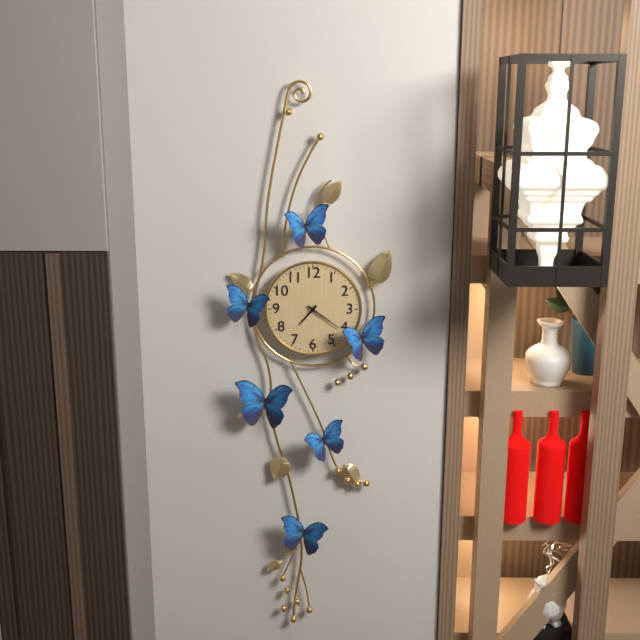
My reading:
h=7 m=21
